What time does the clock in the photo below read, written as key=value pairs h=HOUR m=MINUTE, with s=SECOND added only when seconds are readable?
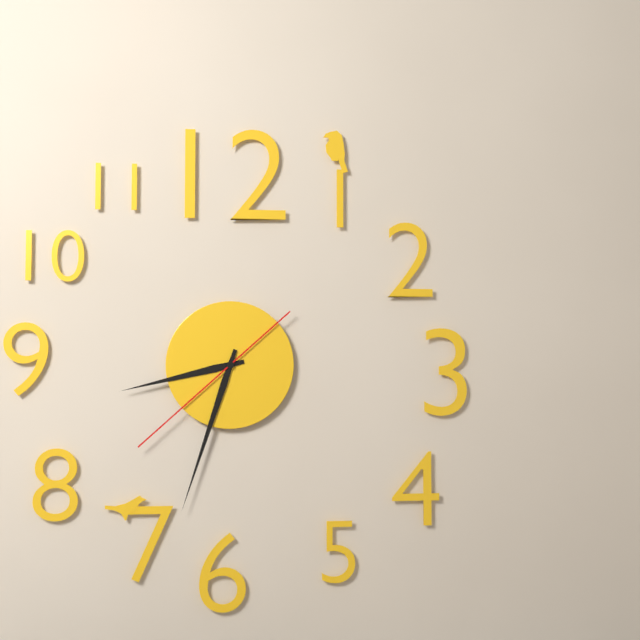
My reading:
h=8 m=33 s=38
